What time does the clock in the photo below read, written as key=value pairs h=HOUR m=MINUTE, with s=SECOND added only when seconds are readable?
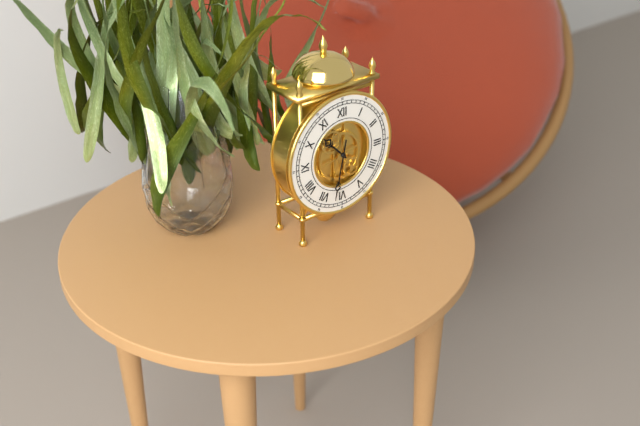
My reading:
h=10 m=32
